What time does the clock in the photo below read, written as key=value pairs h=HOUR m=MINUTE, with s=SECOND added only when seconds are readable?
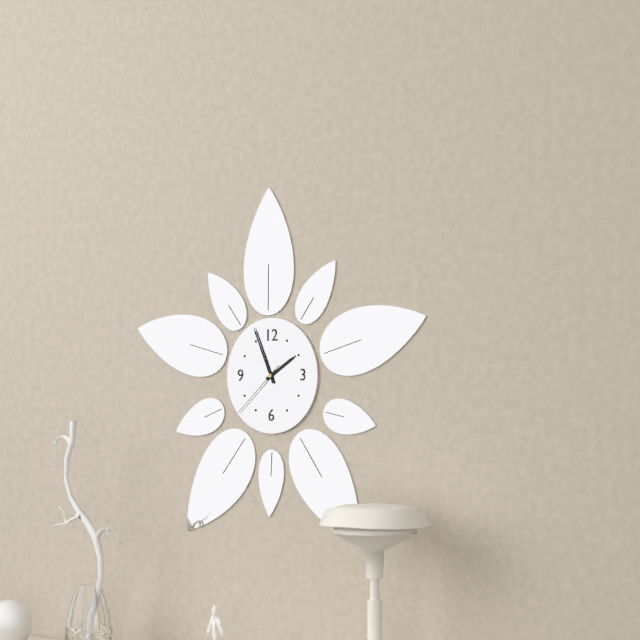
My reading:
h=1 m=56 s=38
